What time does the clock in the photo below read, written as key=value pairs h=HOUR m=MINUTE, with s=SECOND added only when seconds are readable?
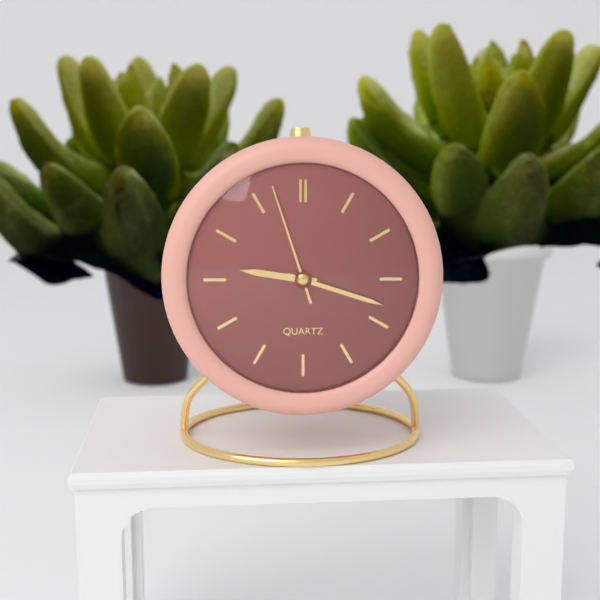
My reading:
h=9 m=18 s=57
